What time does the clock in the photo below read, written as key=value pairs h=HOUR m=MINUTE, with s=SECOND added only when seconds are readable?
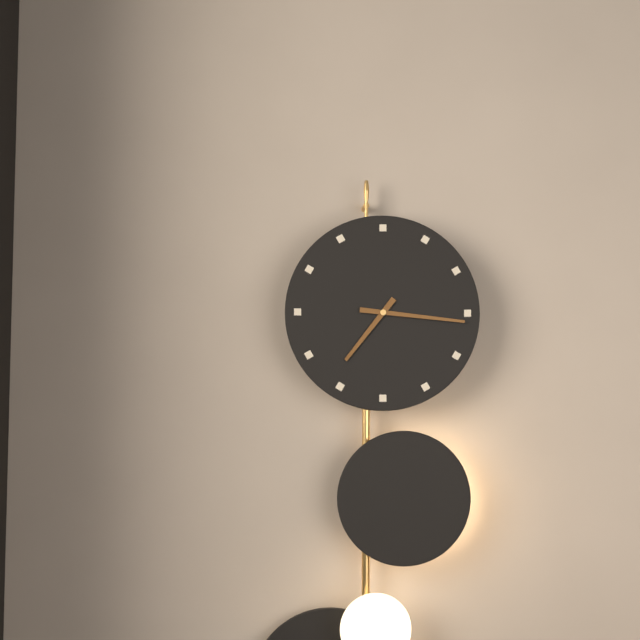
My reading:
h=7 m=16
